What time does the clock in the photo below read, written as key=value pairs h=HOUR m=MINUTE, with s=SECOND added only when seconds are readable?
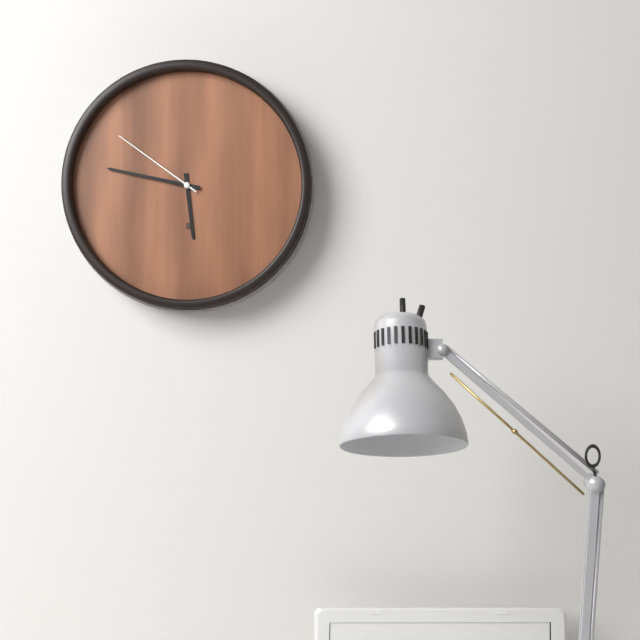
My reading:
h=5 m=47 s=51
